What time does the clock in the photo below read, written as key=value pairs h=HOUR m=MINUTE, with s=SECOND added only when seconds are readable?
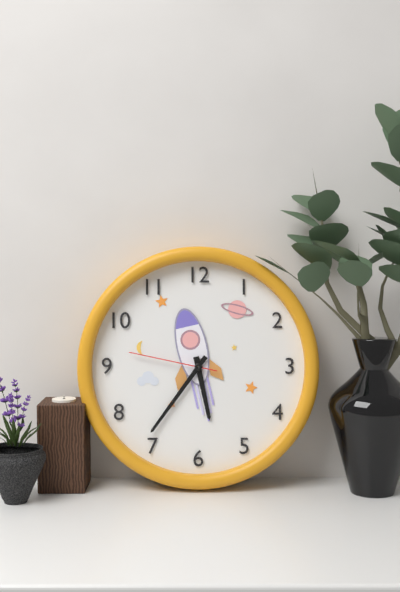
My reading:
h=5 m=36 s=47
